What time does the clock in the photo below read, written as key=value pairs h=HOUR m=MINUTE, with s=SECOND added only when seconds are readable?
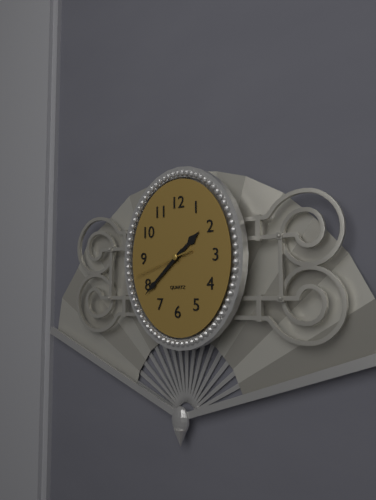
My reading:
h=1 m=38 s=42
